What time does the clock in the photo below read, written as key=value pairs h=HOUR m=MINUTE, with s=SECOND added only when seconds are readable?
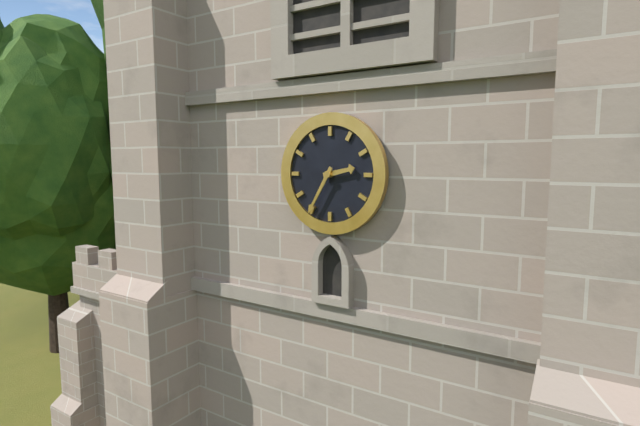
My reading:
h=2 m=35
